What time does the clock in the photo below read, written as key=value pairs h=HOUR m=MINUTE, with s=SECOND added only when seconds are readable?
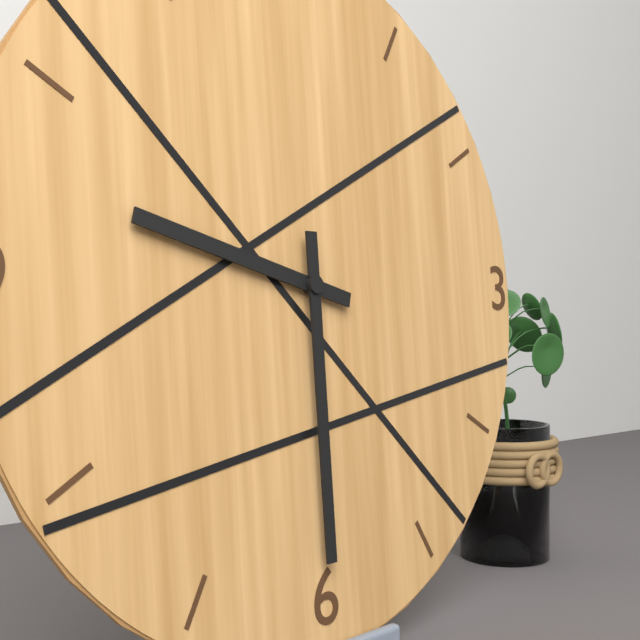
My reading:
h=9 m=30
